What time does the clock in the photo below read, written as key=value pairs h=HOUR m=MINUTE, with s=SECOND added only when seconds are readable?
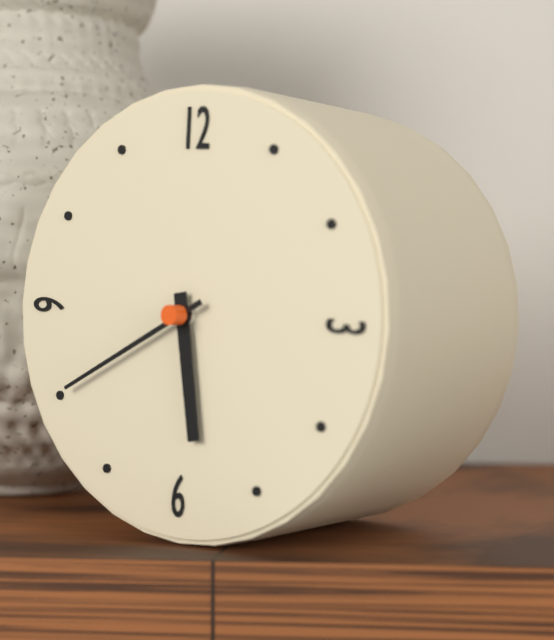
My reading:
h=5 m=40
